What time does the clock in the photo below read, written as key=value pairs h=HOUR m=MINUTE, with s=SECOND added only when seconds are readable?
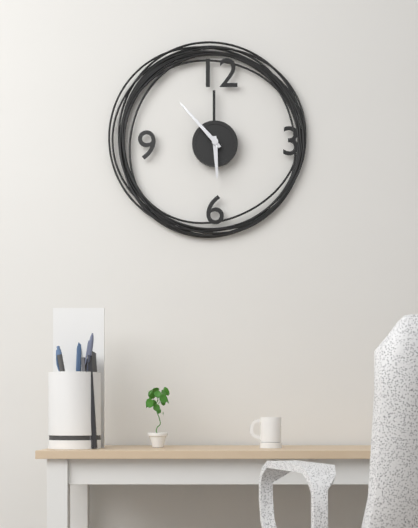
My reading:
h=5 m=53
